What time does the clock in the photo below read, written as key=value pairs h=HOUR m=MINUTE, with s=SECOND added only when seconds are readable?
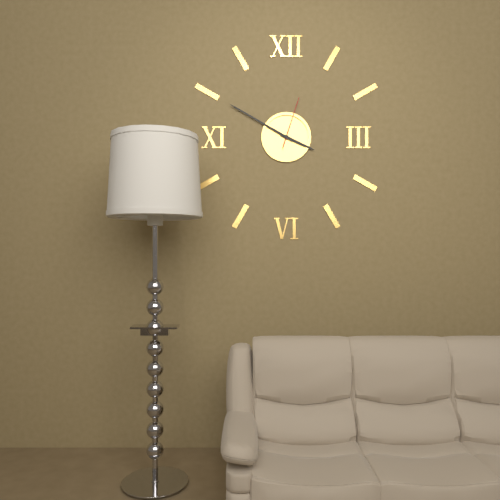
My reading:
h=3 m=50 s=3
